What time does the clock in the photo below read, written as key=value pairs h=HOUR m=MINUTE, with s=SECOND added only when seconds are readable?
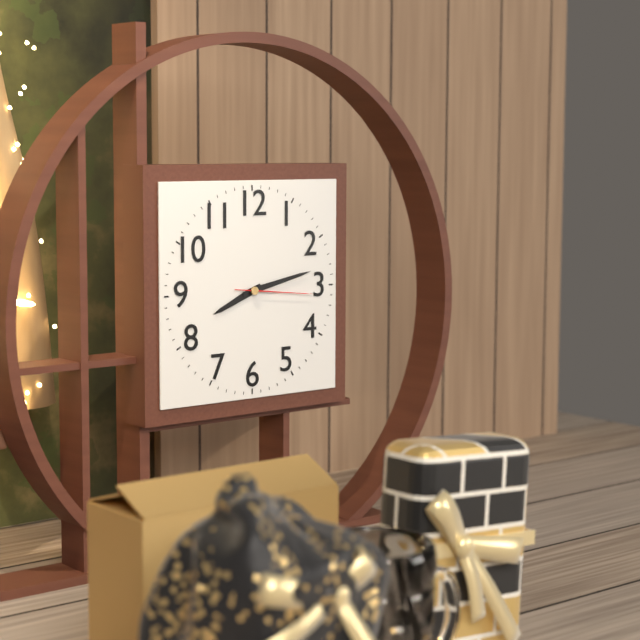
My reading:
h=8 m=13 s=16
